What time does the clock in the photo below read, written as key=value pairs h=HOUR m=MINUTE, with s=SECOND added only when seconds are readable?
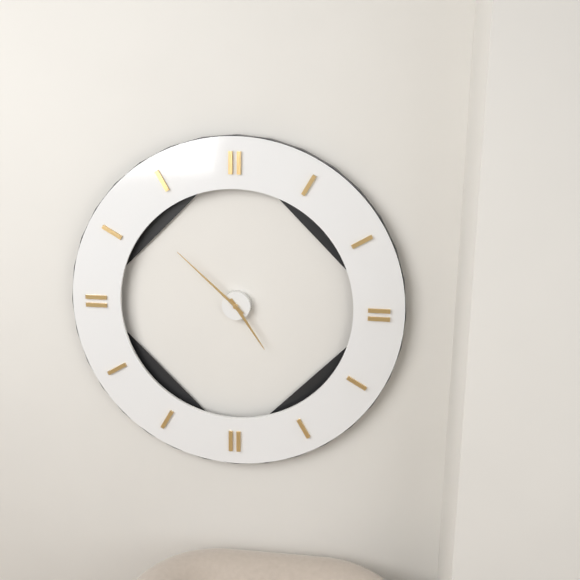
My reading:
h=4 m=52
